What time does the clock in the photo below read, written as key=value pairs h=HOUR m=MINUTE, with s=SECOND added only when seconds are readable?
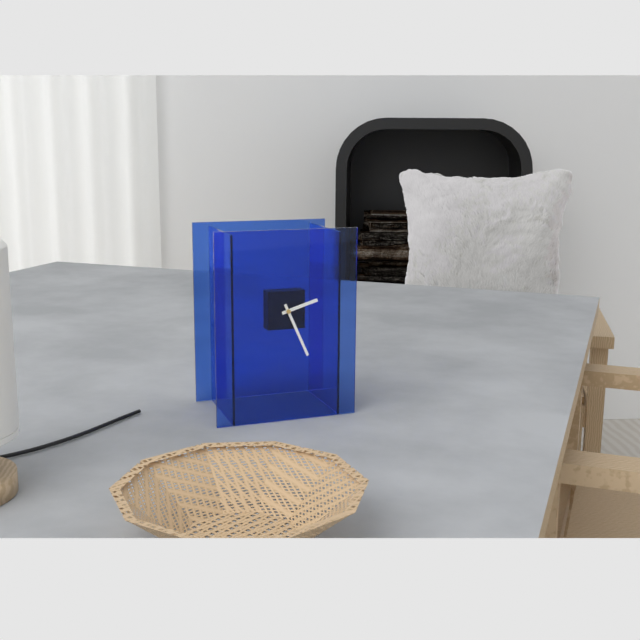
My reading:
h=2 m=26
